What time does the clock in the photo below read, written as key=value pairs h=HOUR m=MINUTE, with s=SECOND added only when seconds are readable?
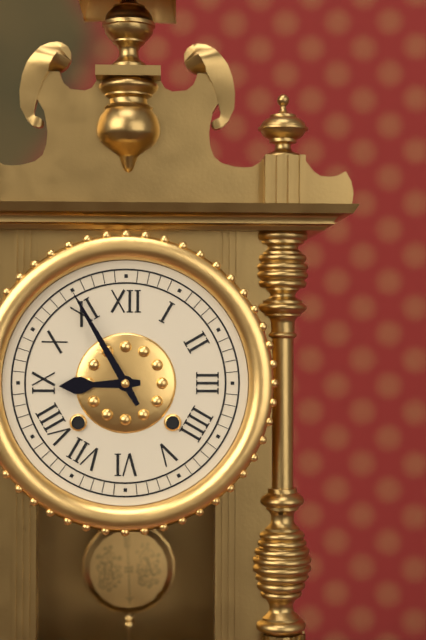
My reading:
h=8 m=55
